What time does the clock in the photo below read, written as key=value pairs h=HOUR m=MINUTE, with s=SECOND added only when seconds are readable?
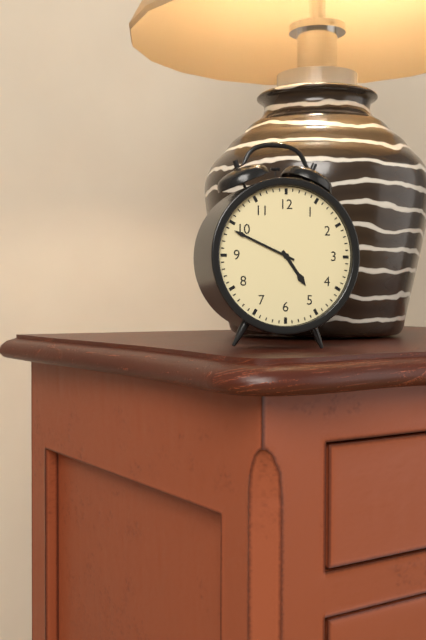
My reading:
h=4 m=49
